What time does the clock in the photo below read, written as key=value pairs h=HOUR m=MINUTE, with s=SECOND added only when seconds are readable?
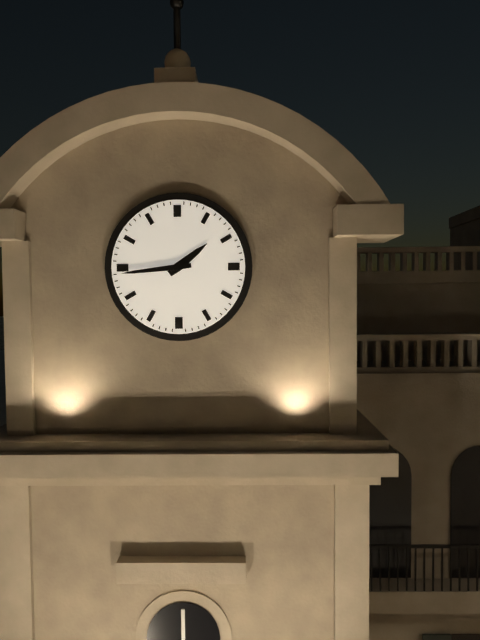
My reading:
h=1 m=44
